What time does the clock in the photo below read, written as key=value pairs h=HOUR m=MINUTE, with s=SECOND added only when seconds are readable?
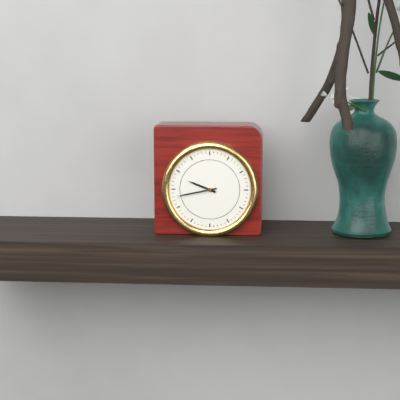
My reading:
h=9 m=43
